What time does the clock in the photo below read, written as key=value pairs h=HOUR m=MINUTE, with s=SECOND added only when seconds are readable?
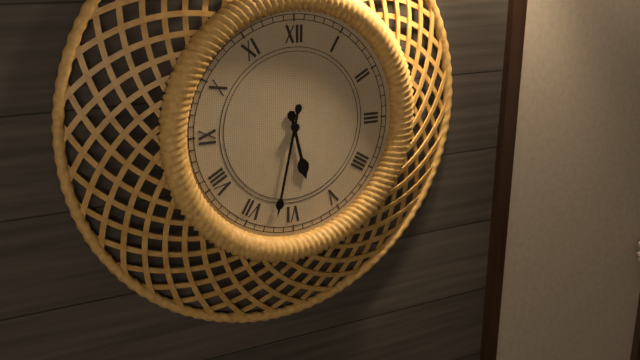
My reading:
h=5 m=32
